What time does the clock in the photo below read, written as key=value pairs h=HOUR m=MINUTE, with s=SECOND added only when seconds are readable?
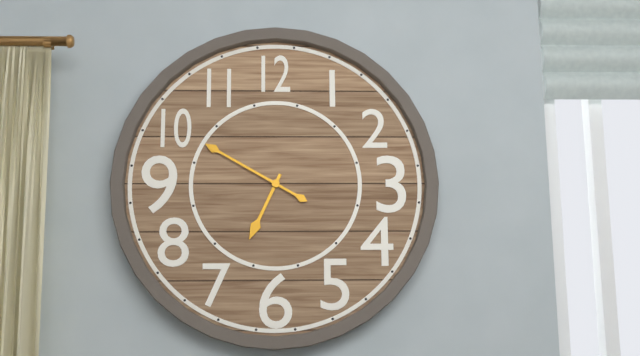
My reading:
h=6 m=50
